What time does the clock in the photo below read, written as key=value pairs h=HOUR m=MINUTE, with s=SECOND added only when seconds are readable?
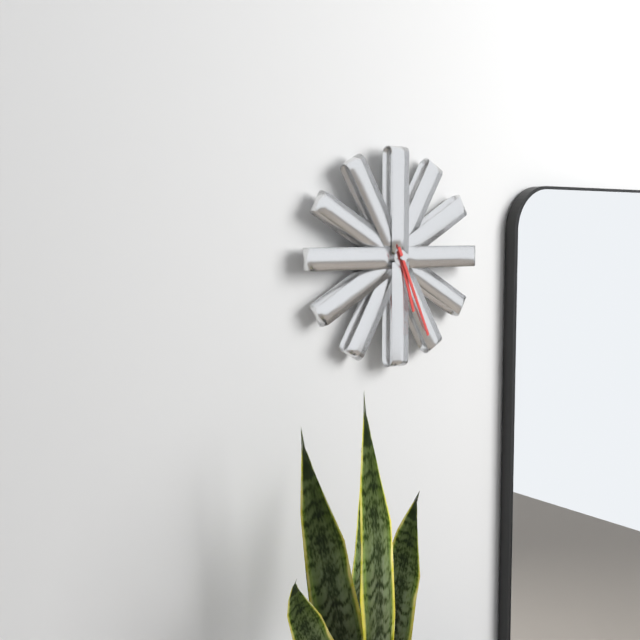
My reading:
h=5 m=26
